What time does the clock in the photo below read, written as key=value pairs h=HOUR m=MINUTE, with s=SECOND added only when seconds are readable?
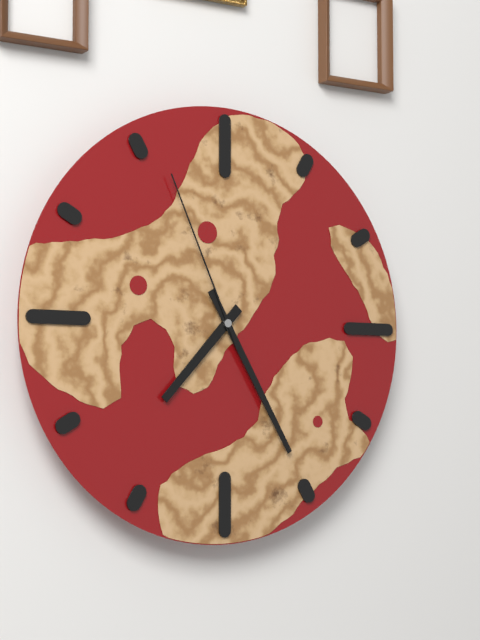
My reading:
h=7 m=25 s=56
